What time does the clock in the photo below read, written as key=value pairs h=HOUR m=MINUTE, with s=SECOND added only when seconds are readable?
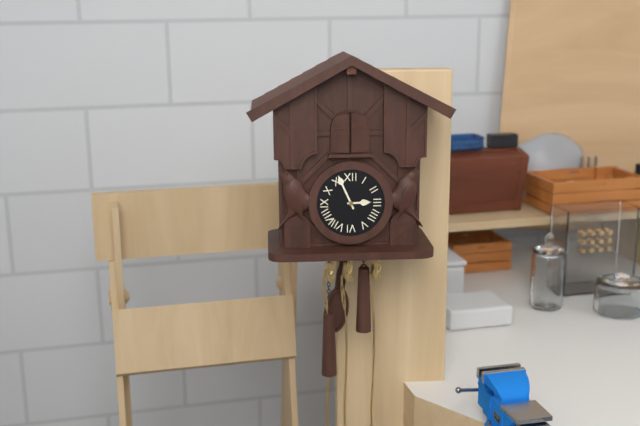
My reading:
h=2 m=56
